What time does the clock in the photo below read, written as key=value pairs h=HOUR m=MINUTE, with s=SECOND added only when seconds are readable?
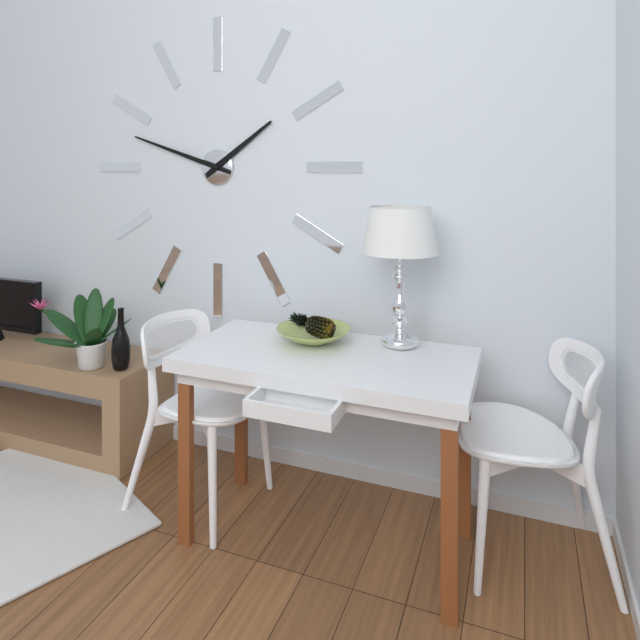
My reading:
h=1 m=48
